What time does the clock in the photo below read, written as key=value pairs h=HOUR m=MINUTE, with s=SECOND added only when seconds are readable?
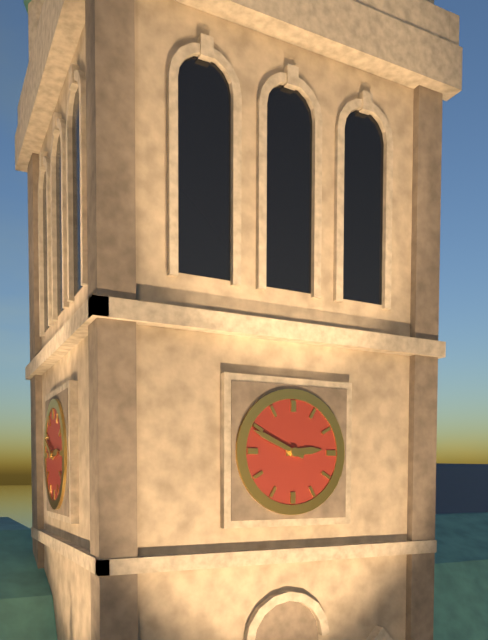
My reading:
h=2 m=49
